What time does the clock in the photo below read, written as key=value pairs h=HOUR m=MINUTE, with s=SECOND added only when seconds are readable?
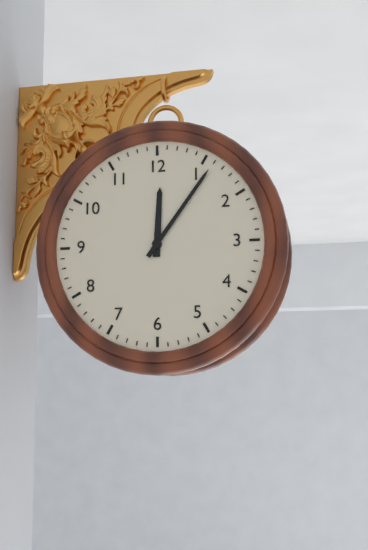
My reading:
h=12 m=6
